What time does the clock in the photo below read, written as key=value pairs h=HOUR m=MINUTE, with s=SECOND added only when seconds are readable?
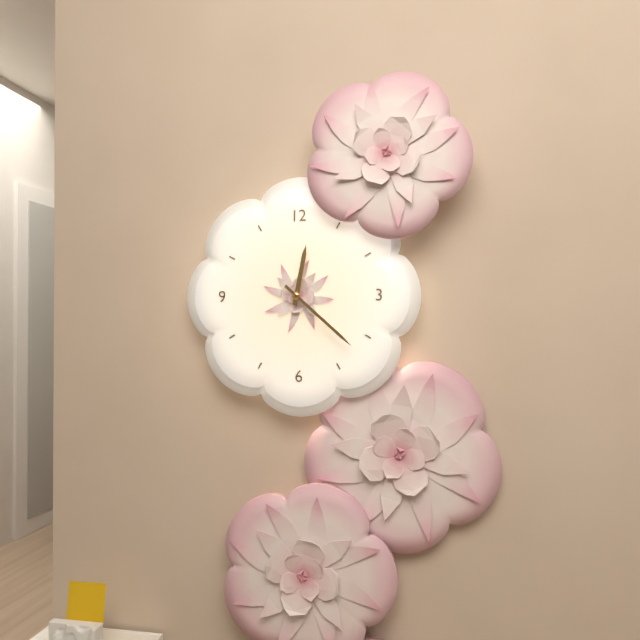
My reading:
h=12 m=22
